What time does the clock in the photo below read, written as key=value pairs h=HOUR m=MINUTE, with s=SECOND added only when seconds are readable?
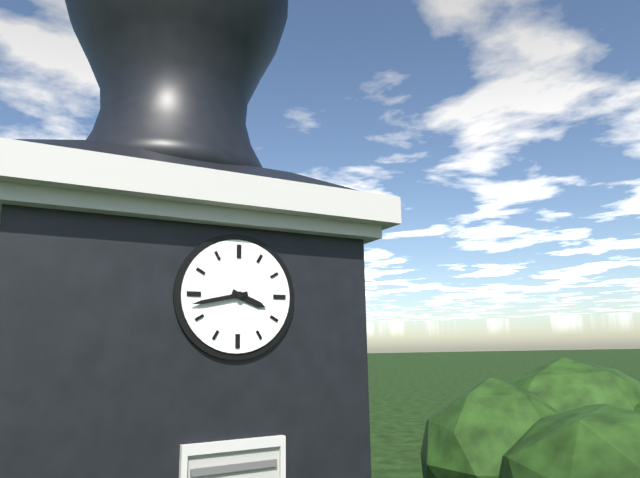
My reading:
h=3 m=43
